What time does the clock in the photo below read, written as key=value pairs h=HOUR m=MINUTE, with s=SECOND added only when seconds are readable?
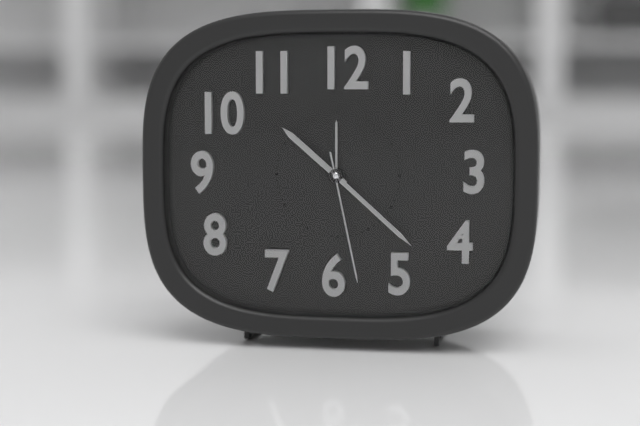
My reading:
h=10 m=22 s=28
